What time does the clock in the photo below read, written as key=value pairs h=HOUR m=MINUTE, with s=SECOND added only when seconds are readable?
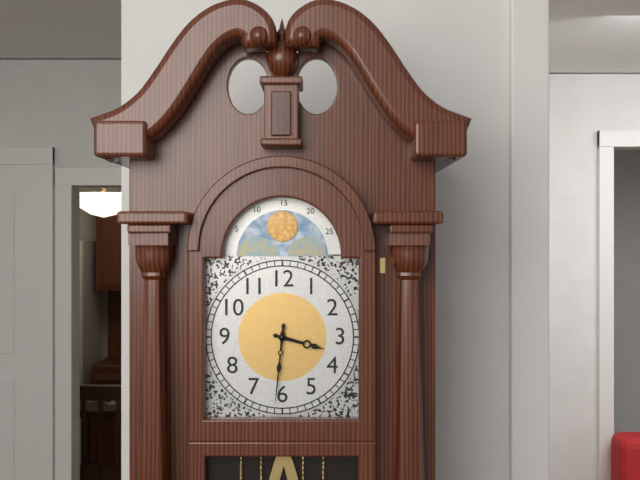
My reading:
h=3 m=31
